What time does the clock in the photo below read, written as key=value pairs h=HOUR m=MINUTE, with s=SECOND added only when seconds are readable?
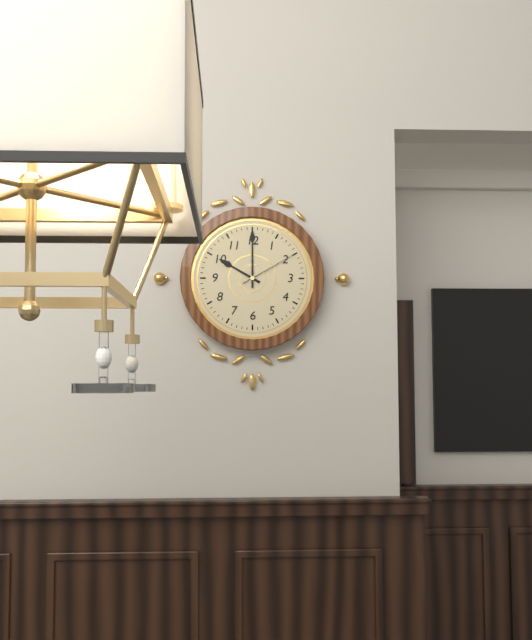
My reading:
h=10 m=0 s=10
